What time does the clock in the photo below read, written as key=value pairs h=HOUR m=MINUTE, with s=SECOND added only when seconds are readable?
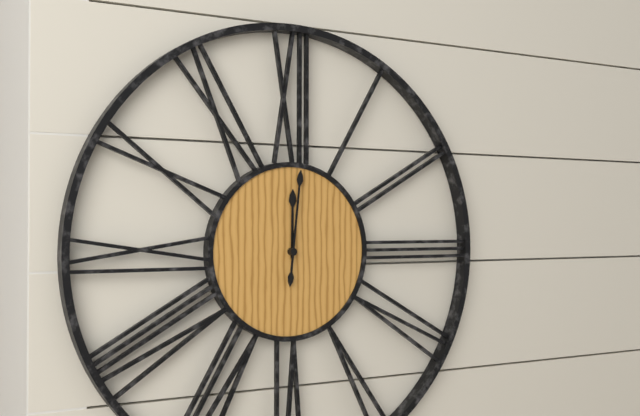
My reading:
h=12 m=1
